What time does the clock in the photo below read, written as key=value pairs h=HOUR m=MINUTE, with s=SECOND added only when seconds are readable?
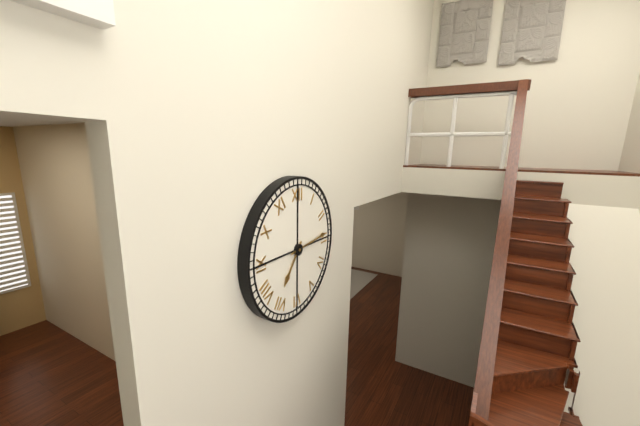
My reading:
h=7 m=14
